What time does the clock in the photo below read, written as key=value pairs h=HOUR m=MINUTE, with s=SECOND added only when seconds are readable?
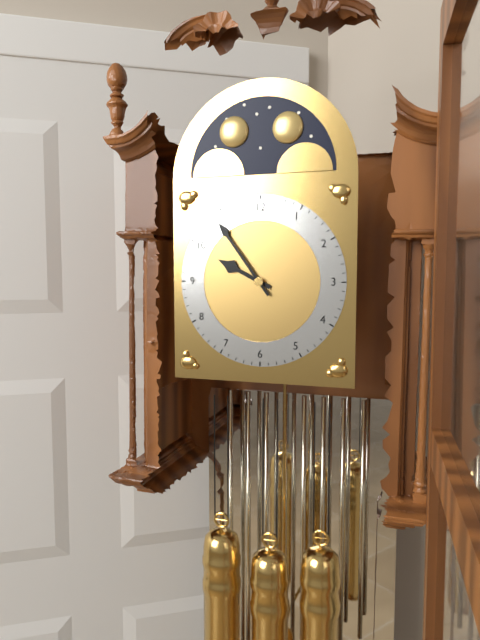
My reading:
h=9 m=54
